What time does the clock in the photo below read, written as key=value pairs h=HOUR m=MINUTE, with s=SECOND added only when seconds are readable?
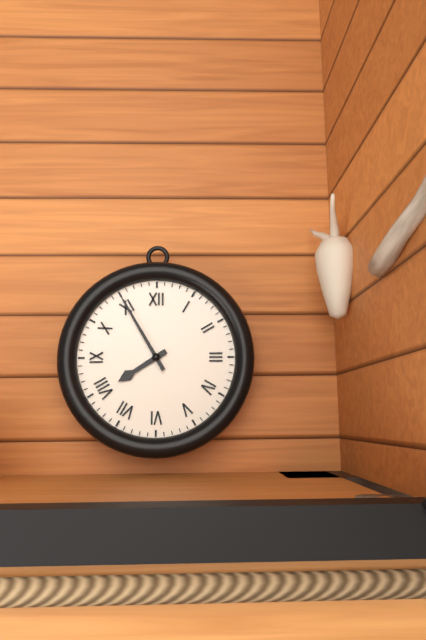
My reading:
h=7 m=55
